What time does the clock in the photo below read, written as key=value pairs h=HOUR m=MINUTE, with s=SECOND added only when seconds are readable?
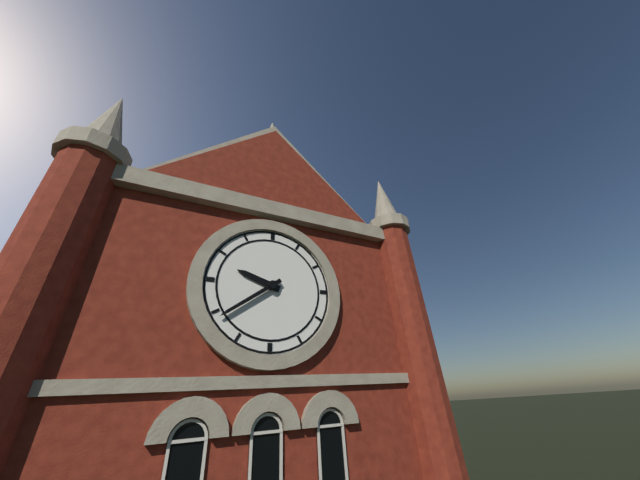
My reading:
h=9 m=39
